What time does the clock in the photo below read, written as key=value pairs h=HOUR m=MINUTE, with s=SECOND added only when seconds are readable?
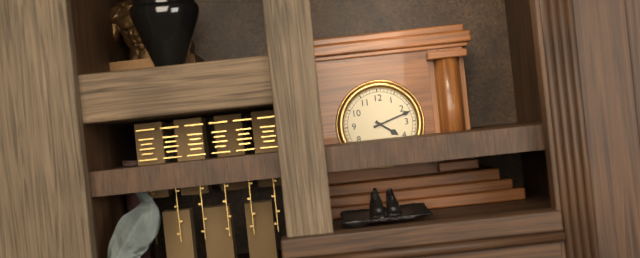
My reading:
h=4 m=12
